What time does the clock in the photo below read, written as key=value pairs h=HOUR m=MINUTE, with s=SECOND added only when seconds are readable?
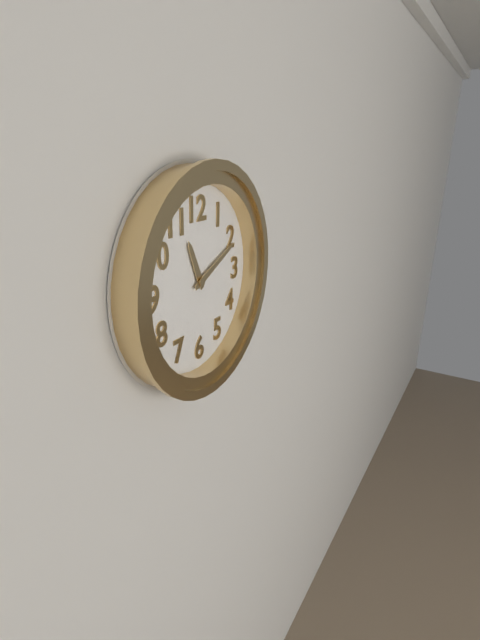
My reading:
h=11 m=11
